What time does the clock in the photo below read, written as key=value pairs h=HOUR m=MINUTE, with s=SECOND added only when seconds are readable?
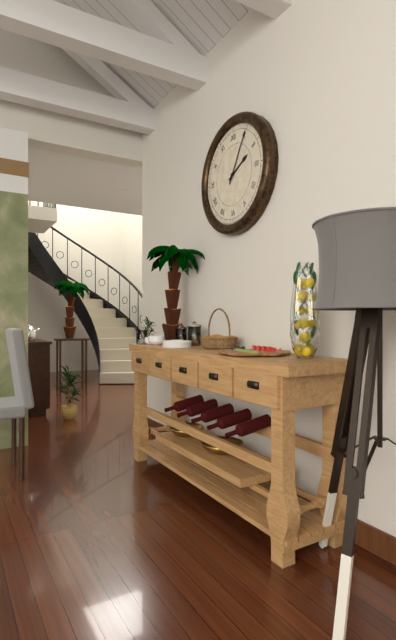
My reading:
h=2 m=5
